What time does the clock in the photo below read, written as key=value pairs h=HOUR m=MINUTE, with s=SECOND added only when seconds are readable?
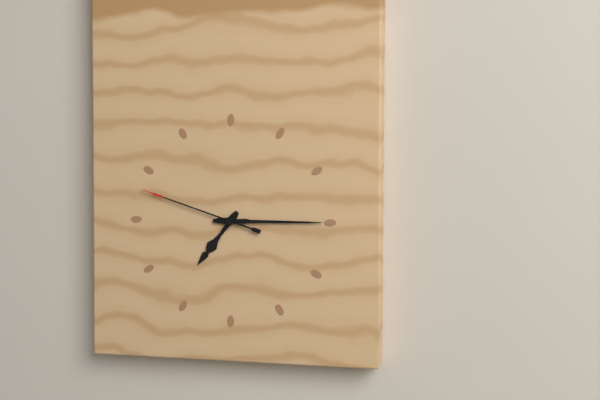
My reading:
h=7 m=15 s=48
